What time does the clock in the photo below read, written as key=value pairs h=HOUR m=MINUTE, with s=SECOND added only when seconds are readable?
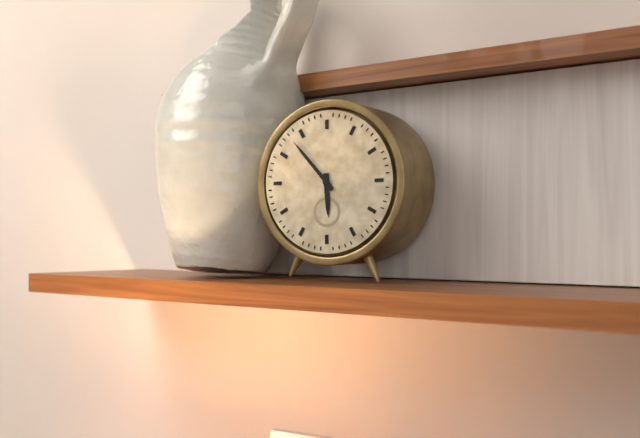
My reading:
h=5 m=53
